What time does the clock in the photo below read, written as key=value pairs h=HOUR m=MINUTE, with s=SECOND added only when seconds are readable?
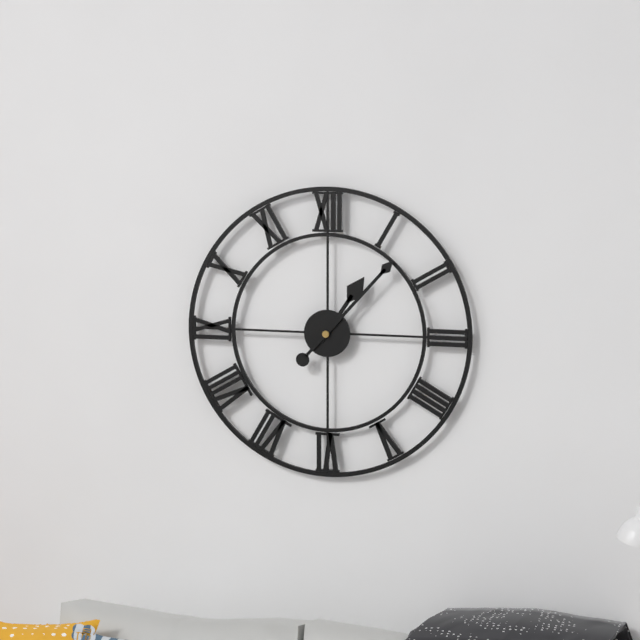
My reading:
h=1 m=7
